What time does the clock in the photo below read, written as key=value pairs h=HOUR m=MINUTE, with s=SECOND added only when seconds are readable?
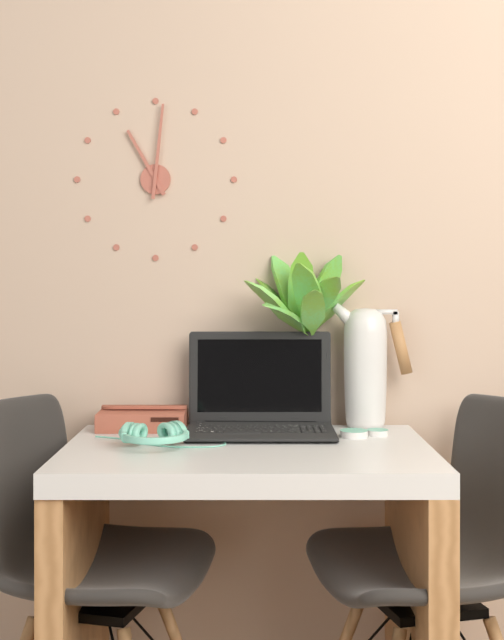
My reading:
h=11 m=1
